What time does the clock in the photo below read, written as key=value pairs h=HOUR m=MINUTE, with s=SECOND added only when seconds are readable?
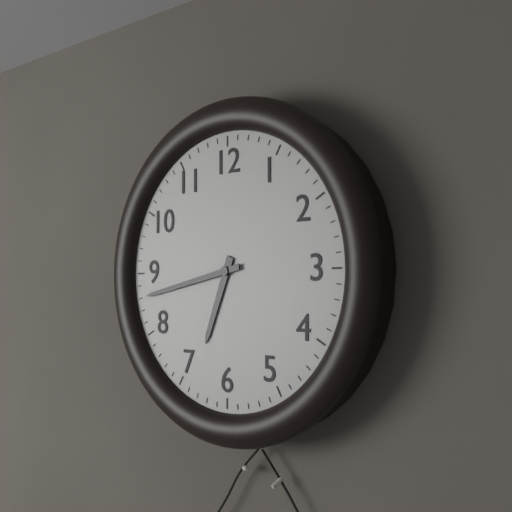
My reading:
h=6 m=43
